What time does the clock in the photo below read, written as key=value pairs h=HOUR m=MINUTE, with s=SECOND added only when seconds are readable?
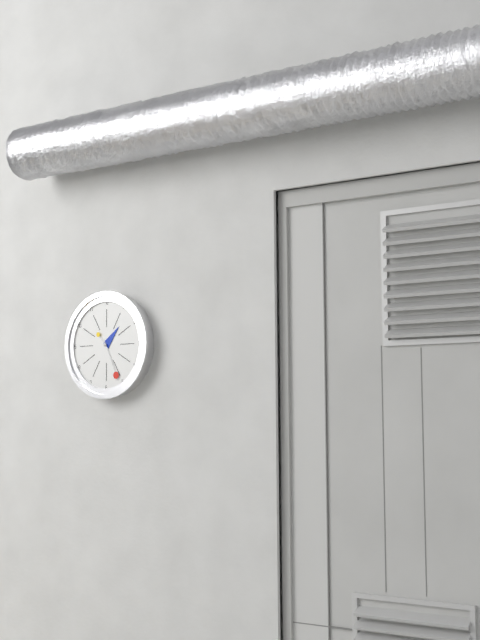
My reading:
h=1 m=26
